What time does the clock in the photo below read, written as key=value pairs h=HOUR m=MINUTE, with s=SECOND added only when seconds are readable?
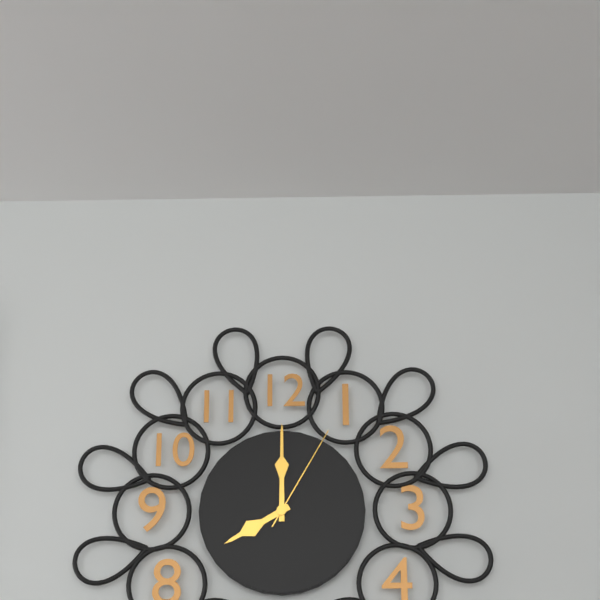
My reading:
h=8 m=0 s=5
